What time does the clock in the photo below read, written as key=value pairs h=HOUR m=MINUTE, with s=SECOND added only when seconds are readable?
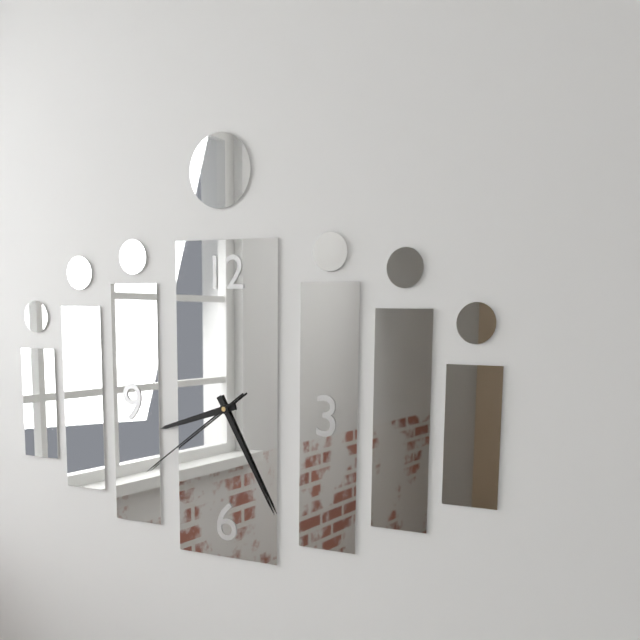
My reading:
h=8 m=25 s=39
